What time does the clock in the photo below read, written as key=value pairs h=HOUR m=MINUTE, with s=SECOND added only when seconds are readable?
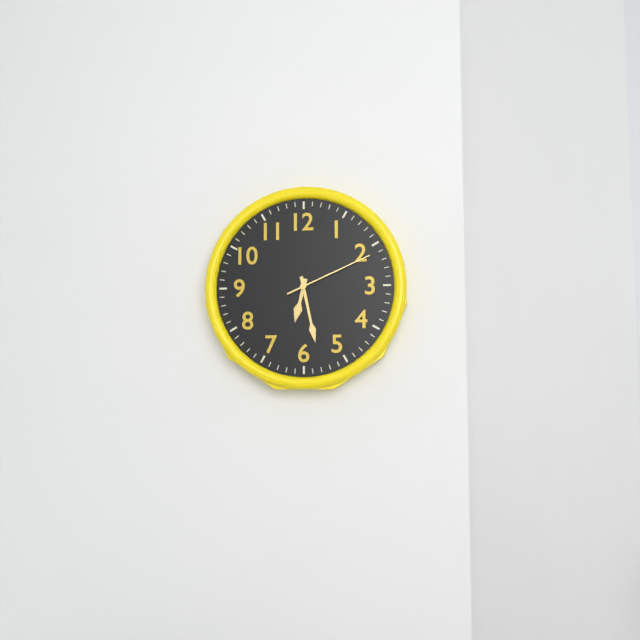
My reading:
h=6 m=28 s=11
